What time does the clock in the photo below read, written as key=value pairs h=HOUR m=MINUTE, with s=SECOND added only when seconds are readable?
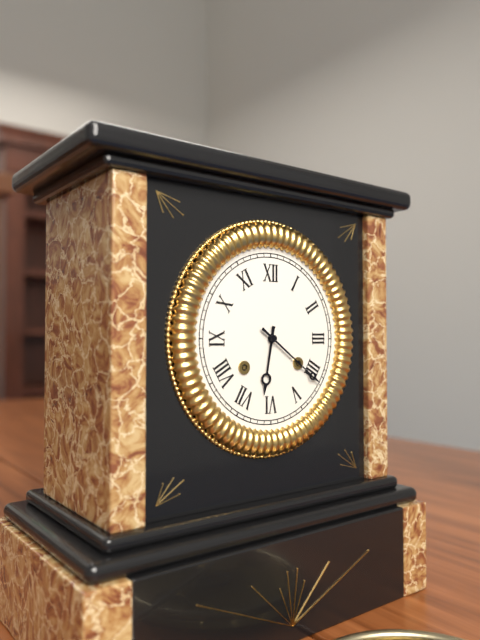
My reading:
h=6 m=21
